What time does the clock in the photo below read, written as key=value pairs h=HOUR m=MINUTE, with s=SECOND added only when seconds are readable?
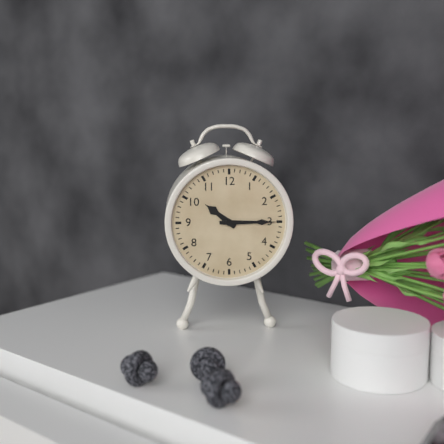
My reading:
h=10 m=15
